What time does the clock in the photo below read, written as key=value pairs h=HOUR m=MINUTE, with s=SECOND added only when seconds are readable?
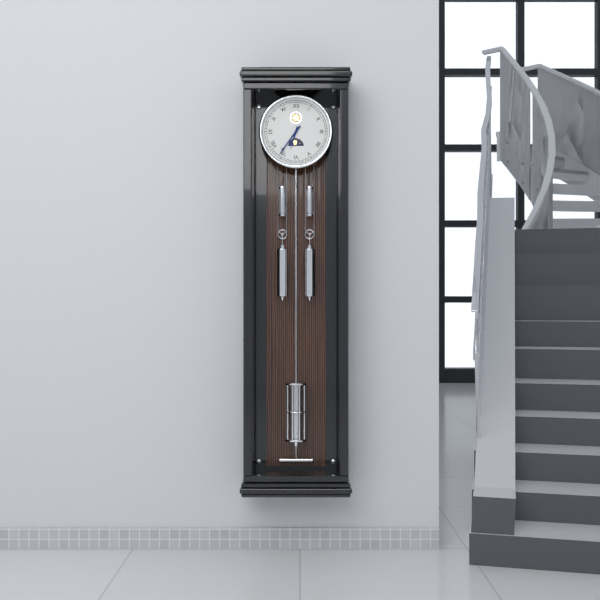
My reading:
h=6 m=36
